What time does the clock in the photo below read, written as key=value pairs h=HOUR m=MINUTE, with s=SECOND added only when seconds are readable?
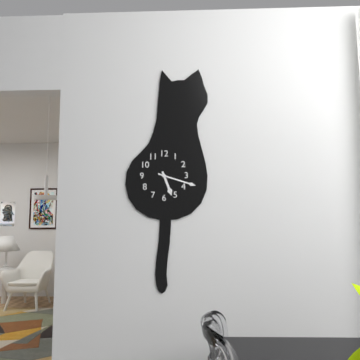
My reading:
h=5 m=18
